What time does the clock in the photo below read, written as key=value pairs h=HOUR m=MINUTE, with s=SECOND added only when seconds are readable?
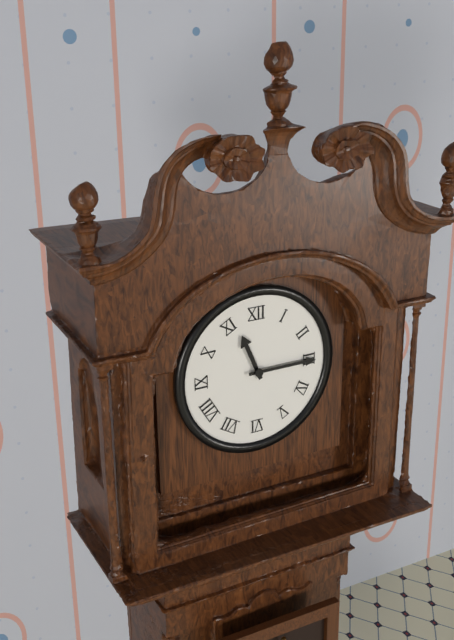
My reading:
h=11 m=15
